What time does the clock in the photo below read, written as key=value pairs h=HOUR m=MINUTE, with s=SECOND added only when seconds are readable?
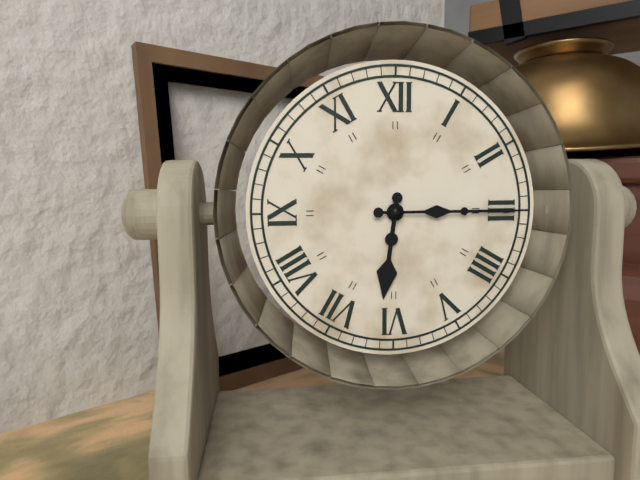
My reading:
h=6 m=15
